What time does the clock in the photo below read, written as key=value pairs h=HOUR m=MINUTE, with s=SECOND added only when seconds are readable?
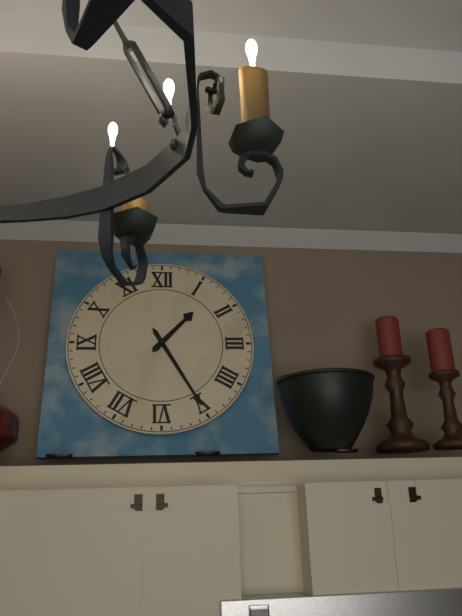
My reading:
h=1 m=25
